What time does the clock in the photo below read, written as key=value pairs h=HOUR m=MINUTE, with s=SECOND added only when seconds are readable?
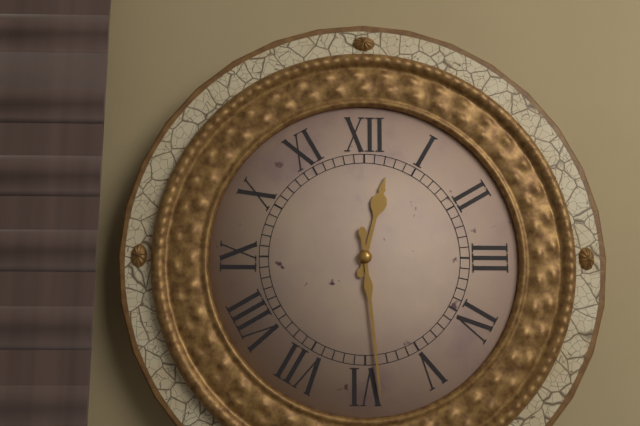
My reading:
h=12 m=29
